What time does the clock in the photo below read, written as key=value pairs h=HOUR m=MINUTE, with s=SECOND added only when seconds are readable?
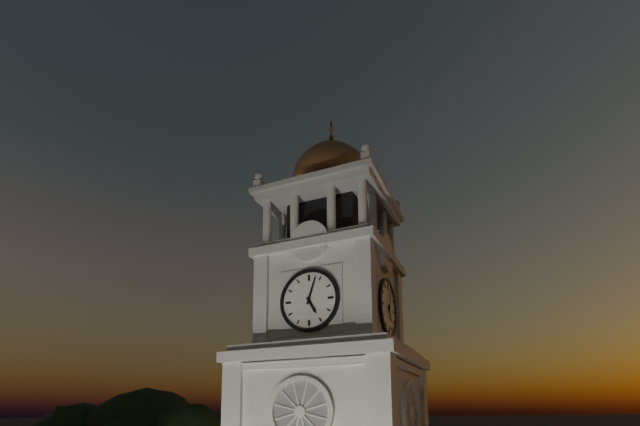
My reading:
h=5 m=3
